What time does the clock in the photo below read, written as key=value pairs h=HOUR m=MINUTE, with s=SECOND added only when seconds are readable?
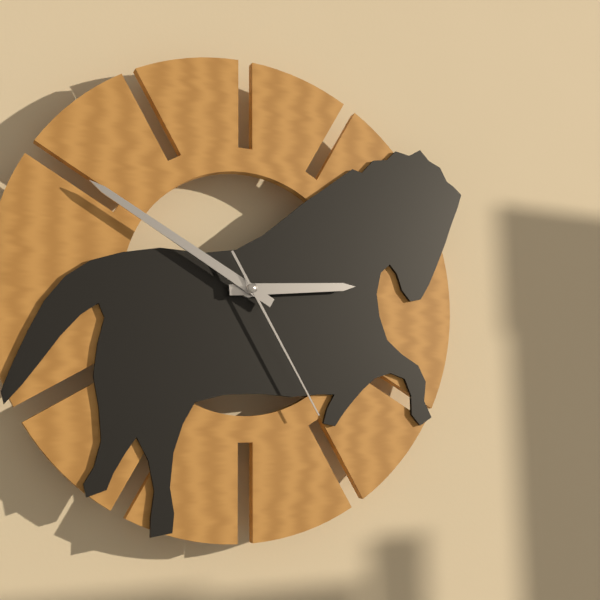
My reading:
h=2 m=50 s=25
